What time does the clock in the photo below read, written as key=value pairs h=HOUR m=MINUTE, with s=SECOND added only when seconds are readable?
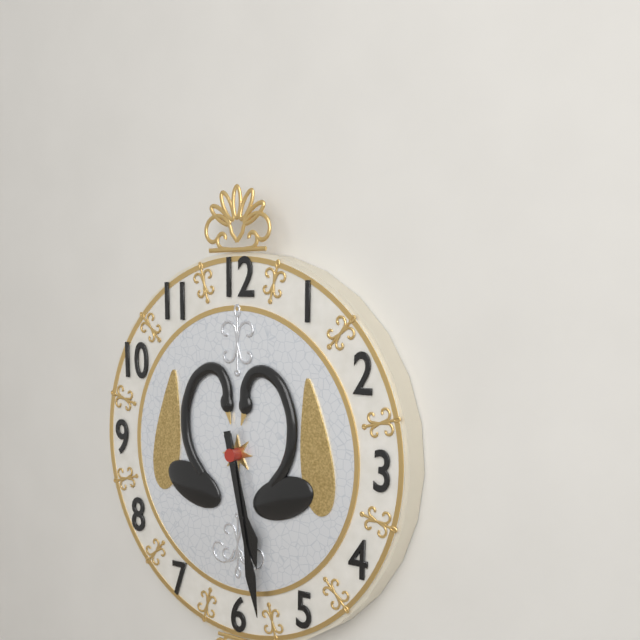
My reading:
h=5 m=28
